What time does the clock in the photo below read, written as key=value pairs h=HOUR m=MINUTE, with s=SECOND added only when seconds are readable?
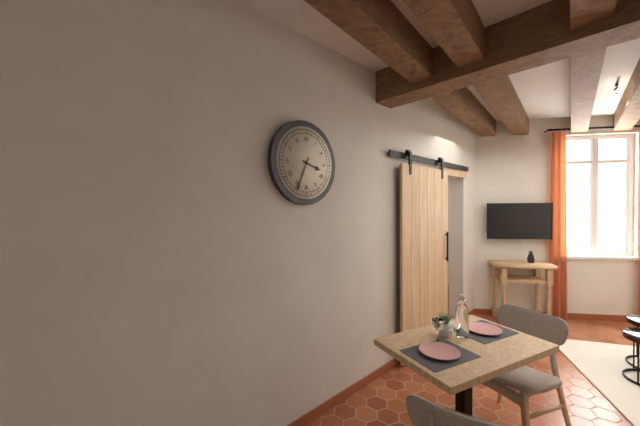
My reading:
h=3 m=34
